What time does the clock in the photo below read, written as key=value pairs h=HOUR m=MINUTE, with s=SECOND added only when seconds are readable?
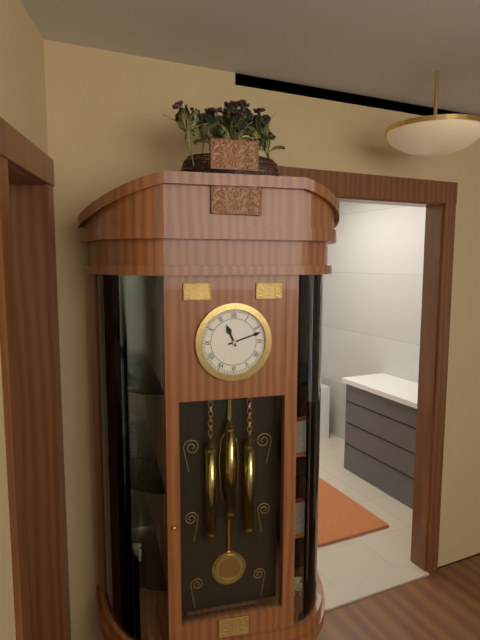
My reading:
h=11 m=12
